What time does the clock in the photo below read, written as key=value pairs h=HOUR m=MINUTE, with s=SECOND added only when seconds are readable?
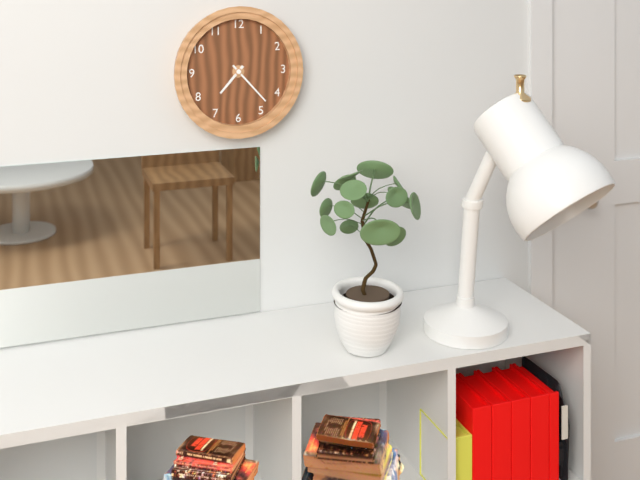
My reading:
h=7 m=23
